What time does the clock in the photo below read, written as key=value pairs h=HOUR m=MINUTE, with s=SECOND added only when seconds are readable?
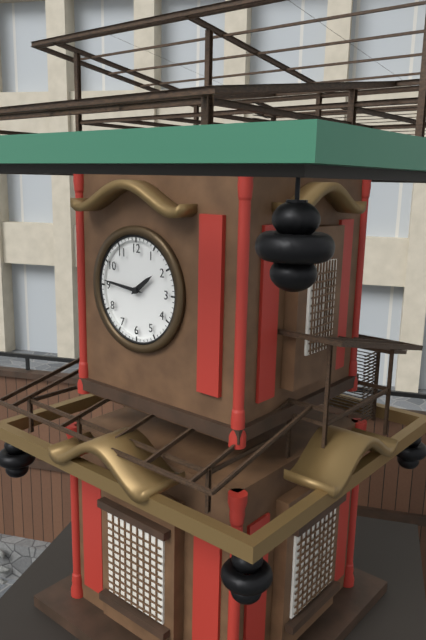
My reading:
h=1 m=46
